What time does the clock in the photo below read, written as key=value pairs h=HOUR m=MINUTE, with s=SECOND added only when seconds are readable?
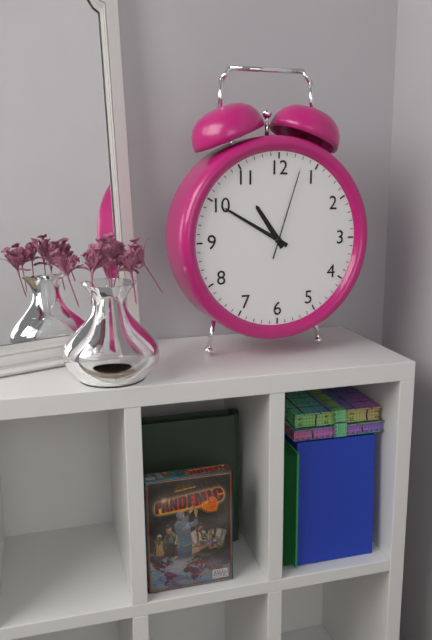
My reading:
h=10 m=50 s=3
